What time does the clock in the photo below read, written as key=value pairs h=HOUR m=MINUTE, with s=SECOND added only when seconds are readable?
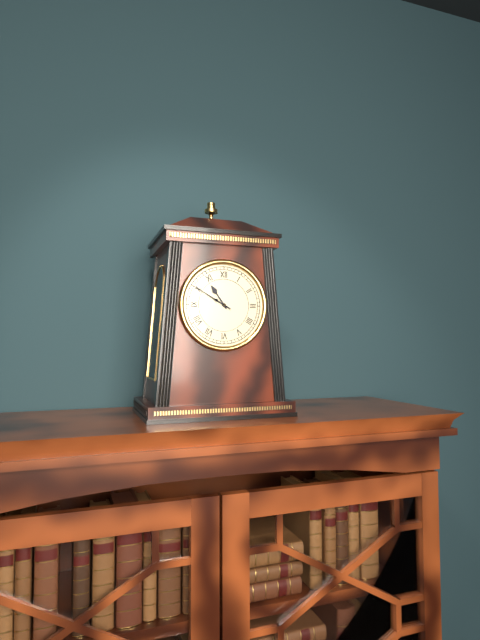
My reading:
h=10 m=50
